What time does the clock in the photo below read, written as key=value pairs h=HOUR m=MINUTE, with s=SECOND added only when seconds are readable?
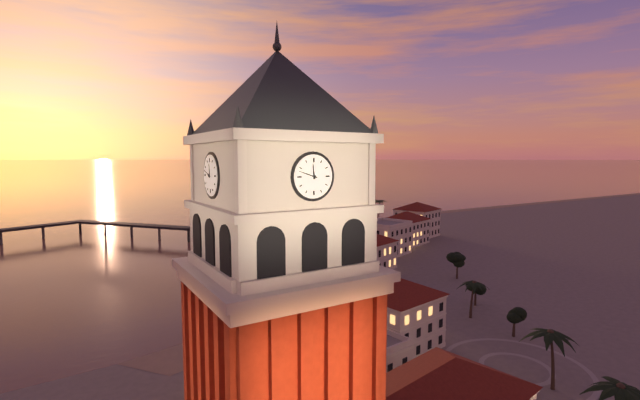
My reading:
h=11 m=48
